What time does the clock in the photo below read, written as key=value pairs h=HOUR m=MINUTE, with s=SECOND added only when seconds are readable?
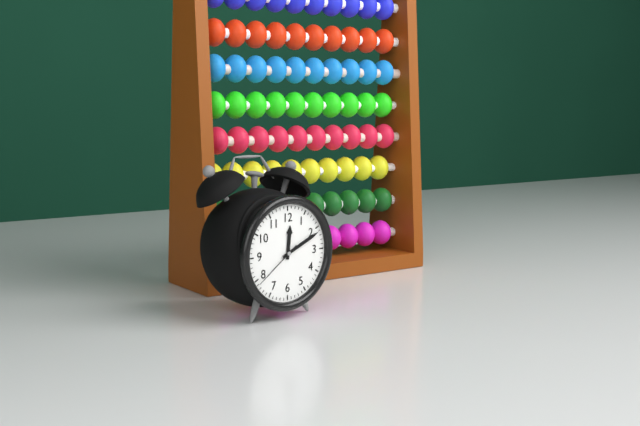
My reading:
h=12 m=11 s=39
